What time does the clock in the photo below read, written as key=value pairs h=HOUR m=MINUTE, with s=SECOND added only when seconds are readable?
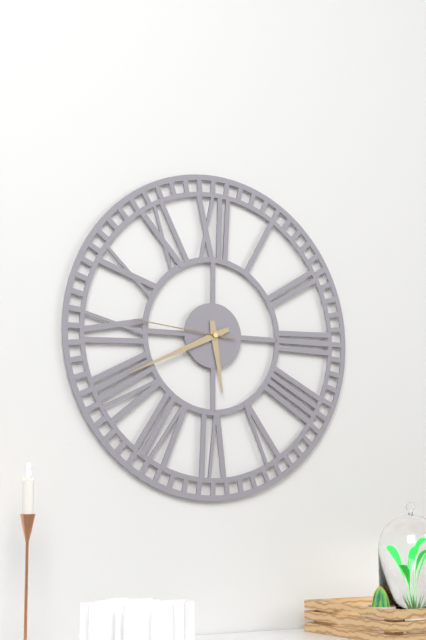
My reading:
h=5 m=41 s=46
